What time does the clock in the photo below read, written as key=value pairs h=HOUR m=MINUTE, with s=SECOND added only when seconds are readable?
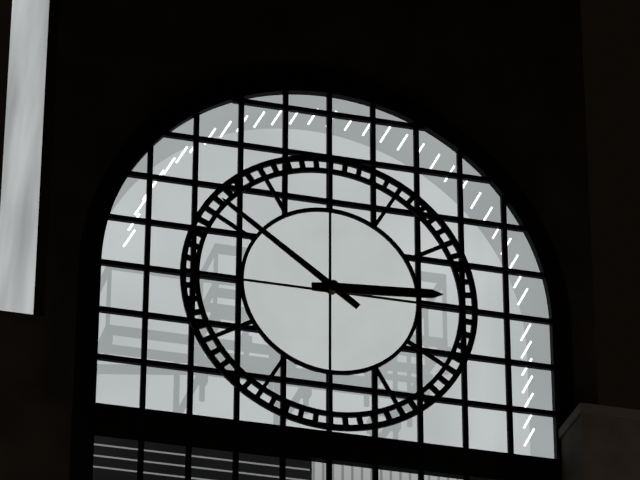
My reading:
h=2 m=51
